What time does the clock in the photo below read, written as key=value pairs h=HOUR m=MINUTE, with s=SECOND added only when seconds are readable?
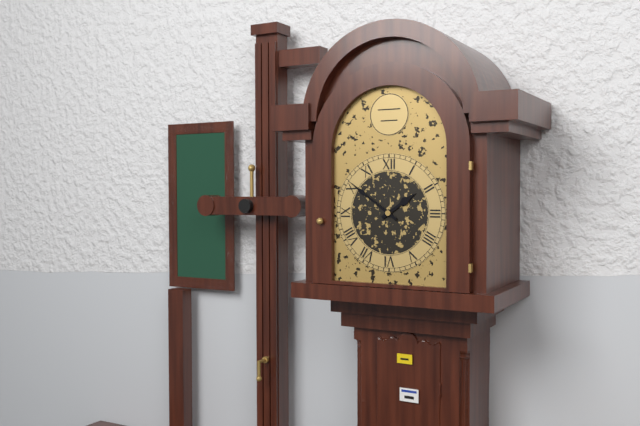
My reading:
h=1 m=51
